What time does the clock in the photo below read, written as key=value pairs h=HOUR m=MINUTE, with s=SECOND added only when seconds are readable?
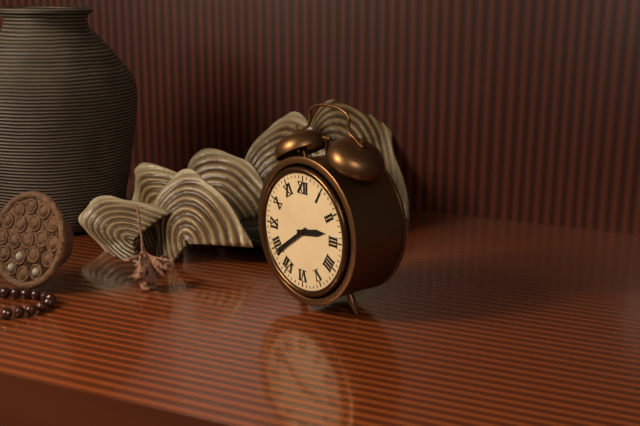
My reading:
h=2 m=39
